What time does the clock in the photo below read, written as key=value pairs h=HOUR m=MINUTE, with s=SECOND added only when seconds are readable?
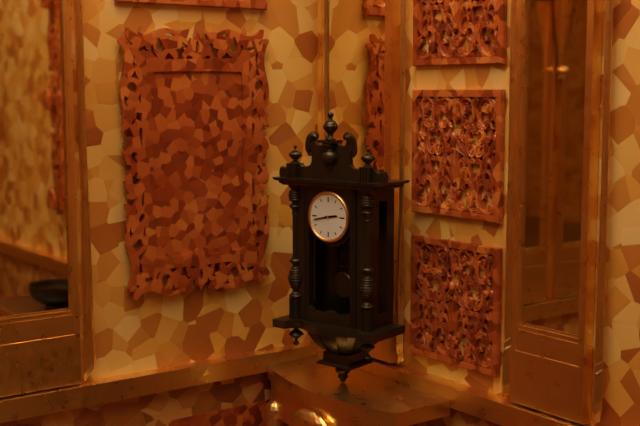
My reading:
h=2 m=43
